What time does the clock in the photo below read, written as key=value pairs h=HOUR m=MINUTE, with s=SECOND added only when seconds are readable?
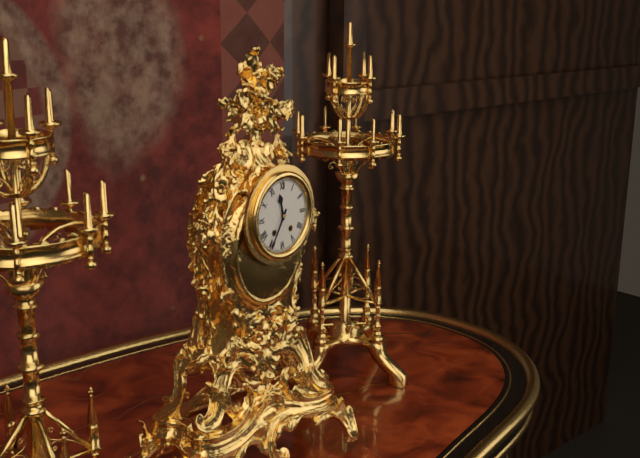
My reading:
h=11 m=35
